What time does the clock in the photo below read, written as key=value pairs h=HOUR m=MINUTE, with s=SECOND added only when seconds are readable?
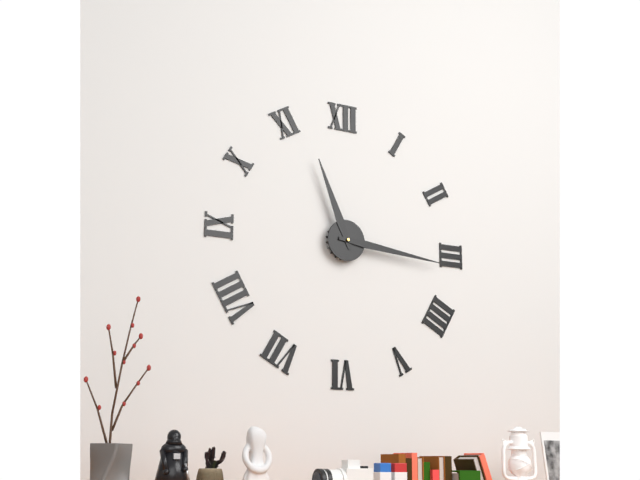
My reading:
h=11 m=16
